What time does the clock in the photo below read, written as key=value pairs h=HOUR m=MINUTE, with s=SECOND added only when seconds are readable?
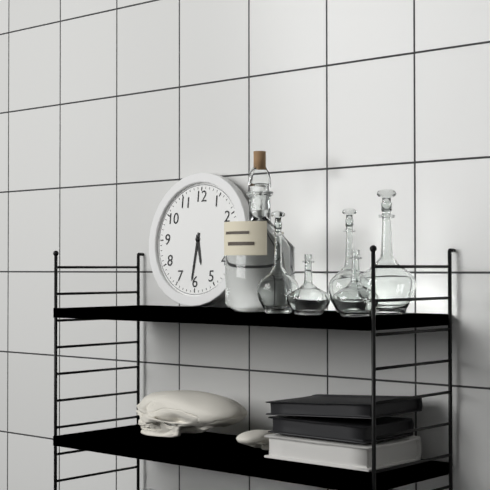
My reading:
h=5 m=31
